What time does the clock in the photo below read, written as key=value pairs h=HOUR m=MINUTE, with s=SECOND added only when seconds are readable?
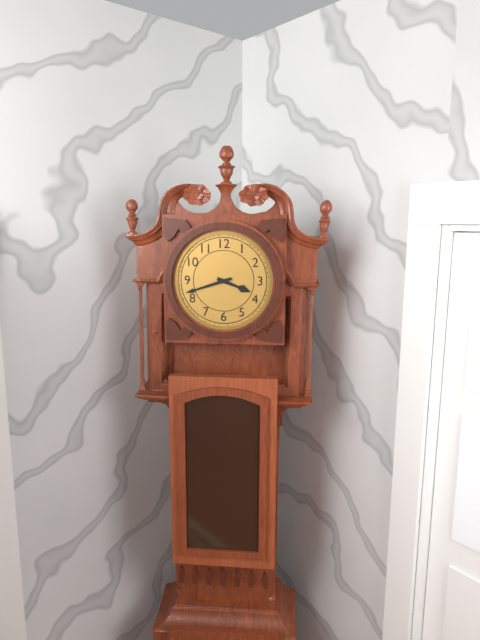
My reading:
h=3 m=42
